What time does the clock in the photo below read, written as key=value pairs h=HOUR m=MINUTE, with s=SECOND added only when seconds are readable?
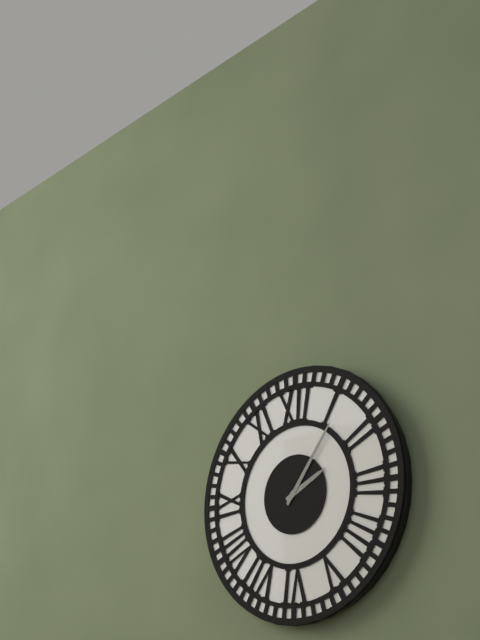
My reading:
h=2 m=6
